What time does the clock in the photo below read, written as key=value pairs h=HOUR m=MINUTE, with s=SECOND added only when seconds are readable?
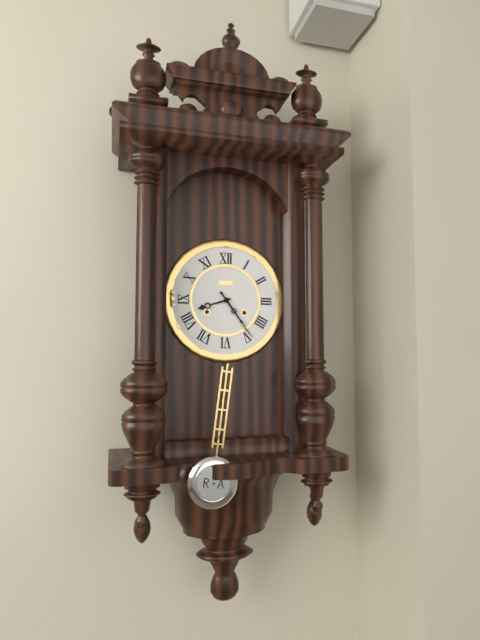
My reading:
h=8 m=24
